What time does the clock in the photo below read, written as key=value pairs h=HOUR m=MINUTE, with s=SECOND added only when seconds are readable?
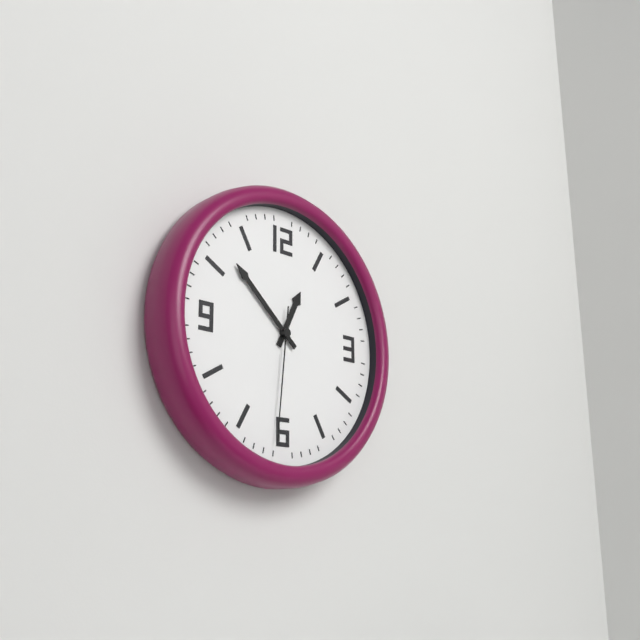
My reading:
h=12 m=52 s=31
